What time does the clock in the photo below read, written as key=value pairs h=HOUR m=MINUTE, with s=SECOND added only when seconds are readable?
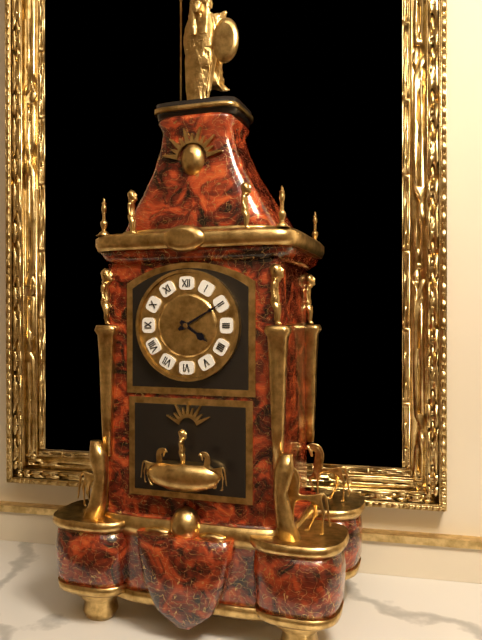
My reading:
h=4 m=10
